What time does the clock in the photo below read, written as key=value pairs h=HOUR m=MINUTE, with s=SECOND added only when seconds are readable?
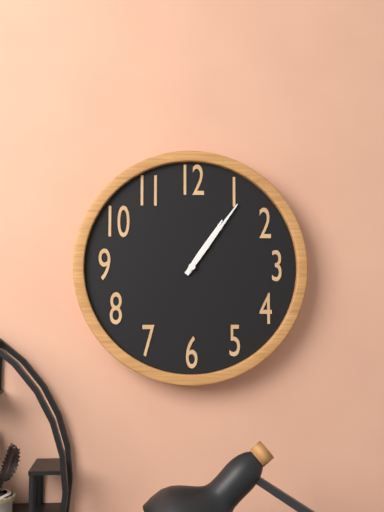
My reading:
h=1 m=6
